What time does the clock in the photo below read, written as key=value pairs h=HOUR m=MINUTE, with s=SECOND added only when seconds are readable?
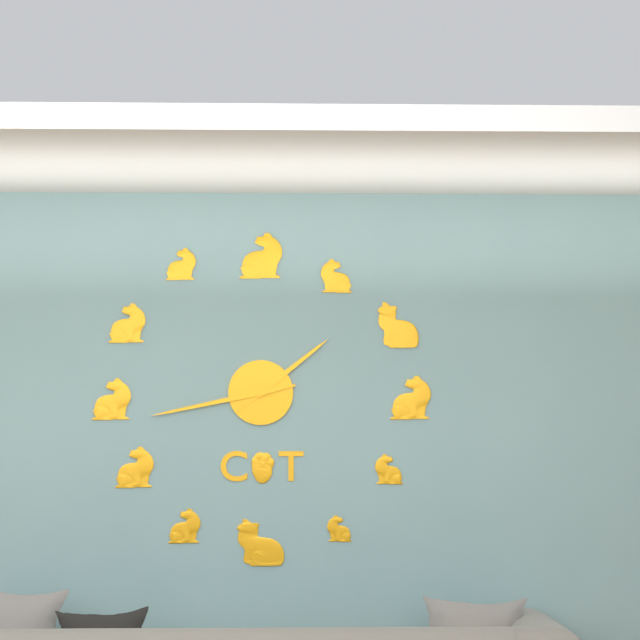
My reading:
h=1 m=43
